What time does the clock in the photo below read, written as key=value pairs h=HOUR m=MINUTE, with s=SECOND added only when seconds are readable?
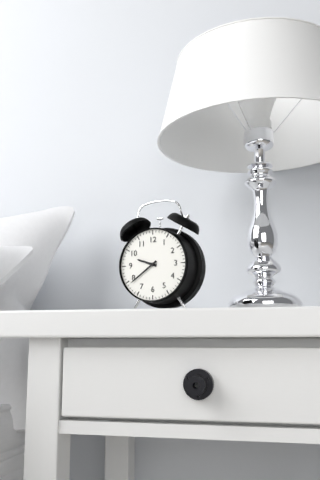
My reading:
h=9 m=39
